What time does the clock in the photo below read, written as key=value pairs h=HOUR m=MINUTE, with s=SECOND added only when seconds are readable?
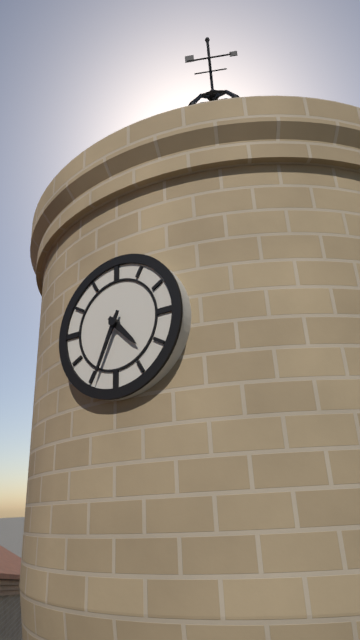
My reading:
h=4 m=34
